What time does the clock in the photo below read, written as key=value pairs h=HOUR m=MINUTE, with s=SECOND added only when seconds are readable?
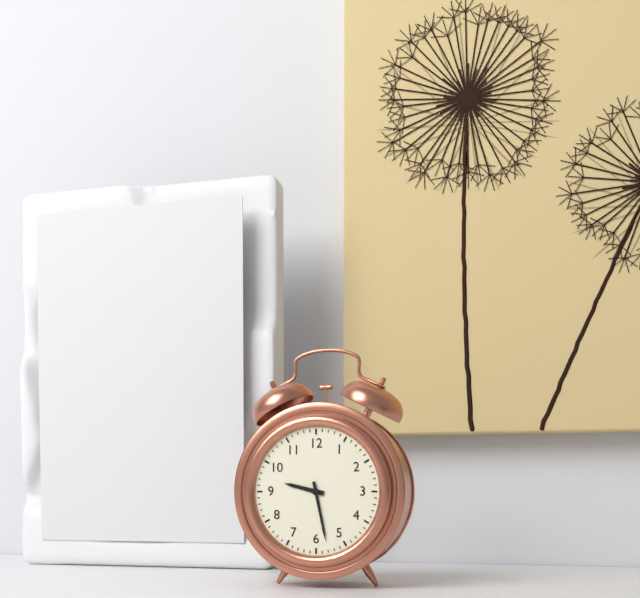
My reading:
h=9 m=28
